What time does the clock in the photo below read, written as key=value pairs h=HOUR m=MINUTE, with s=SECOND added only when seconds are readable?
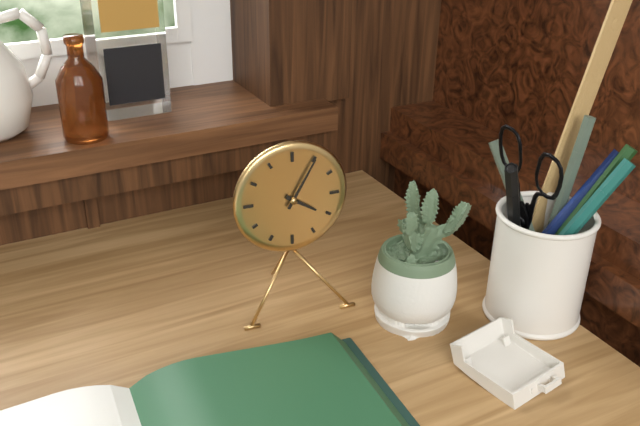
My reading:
h=4 m=5
